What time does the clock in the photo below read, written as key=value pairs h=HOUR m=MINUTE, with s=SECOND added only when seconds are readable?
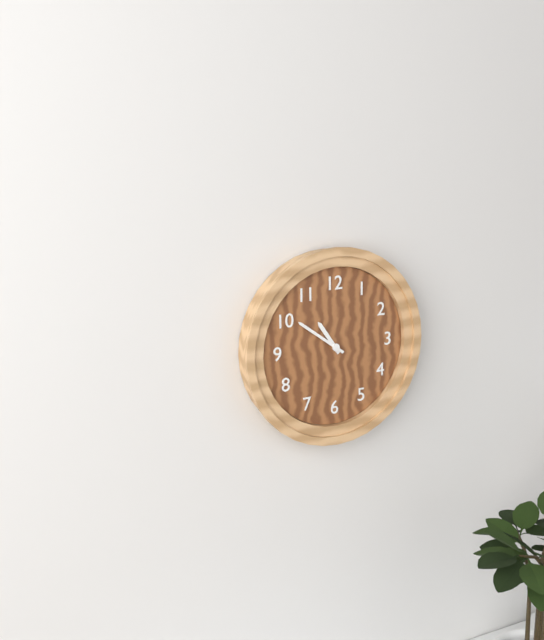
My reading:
h=10 m=51
